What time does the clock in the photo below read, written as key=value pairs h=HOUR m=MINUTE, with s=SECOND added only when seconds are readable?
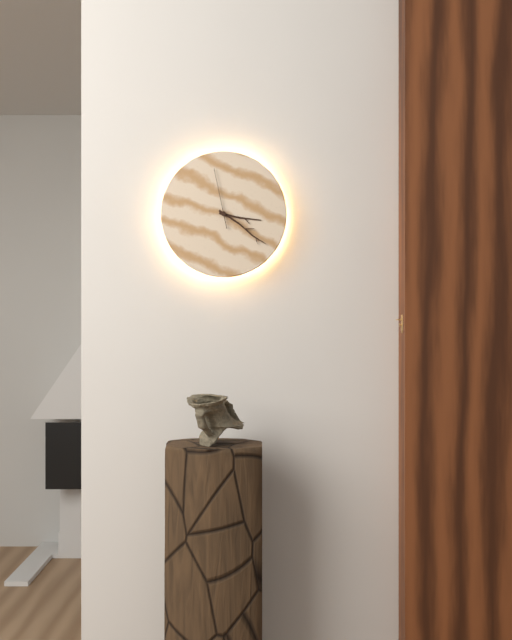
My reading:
h=3 m=21 s=58
